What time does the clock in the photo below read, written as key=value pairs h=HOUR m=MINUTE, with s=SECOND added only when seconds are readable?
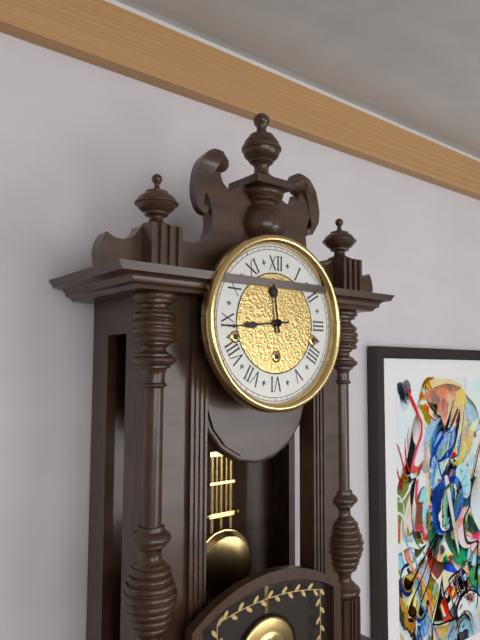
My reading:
h=11 m=44
